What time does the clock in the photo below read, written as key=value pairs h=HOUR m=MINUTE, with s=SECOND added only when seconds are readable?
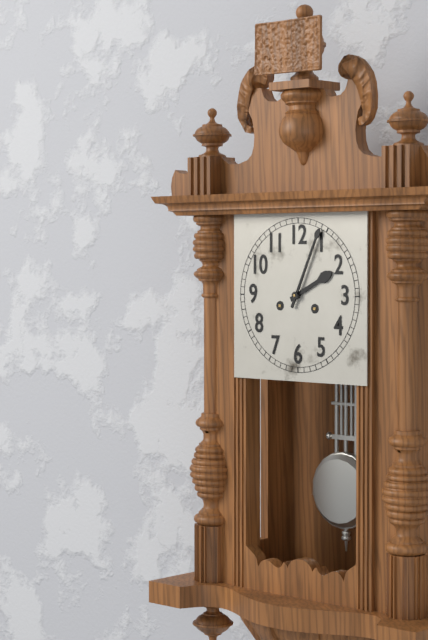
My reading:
h=2 m=4
